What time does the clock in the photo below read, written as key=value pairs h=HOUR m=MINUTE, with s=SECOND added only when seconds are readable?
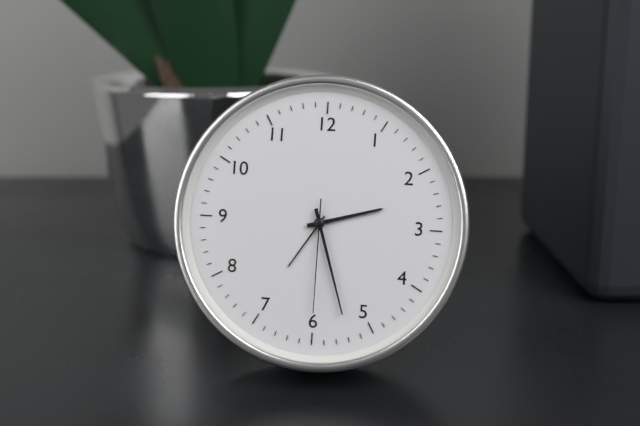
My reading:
h=2 m=27 s=30
